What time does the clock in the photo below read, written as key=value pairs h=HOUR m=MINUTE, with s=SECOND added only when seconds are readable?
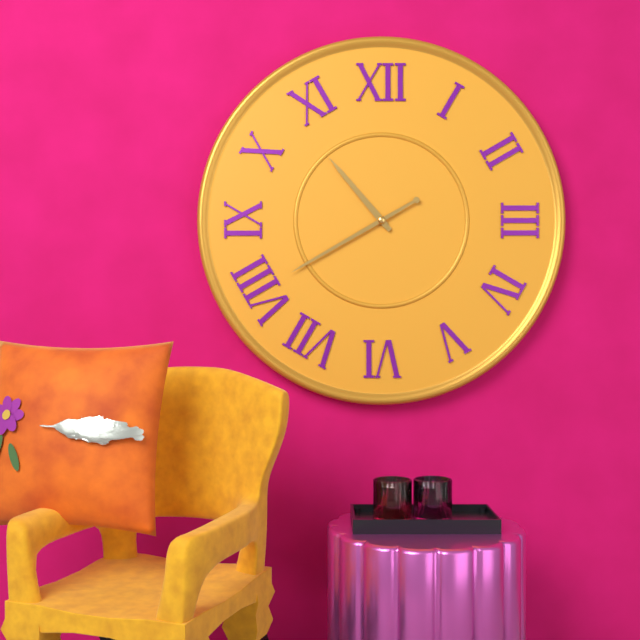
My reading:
h=10 m=40
